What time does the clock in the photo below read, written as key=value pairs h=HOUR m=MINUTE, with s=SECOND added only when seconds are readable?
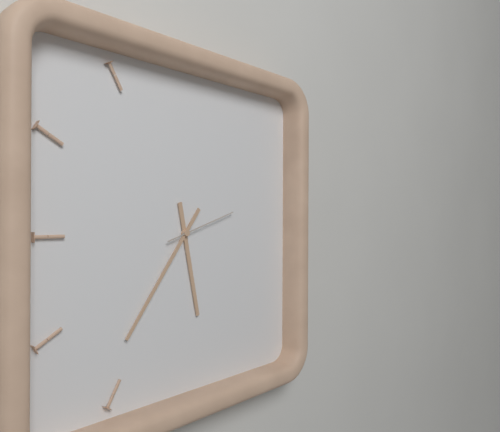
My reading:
h=5 m=36 s=12
